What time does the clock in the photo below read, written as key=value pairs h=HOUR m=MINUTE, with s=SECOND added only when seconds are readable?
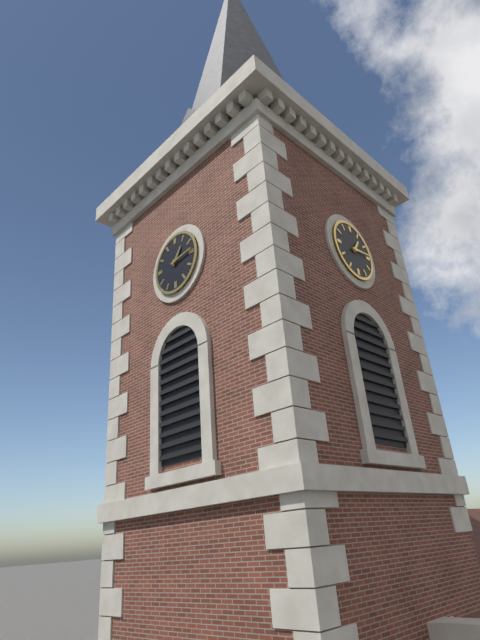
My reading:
h=1 m=14
